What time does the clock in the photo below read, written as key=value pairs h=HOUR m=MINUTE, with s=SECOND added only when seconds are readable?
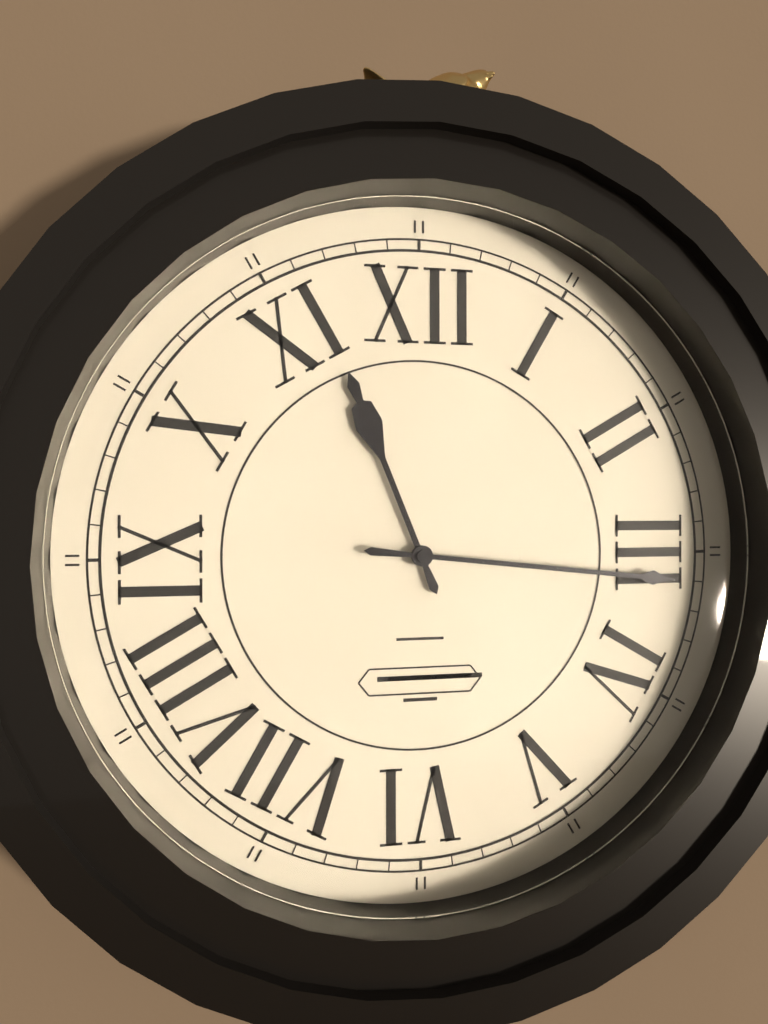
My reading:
h=11 m=16
